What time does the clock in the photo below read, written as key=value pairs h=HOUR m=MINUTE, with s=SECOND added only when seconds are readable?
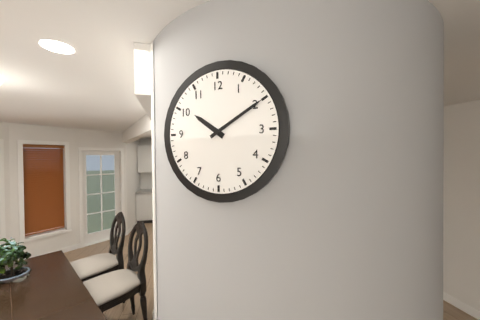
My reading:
h=10 m=10
